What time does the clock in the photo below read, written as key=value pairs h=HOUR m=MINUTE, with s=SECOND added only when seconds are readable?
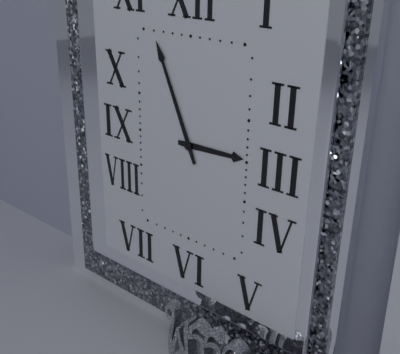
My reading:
h=2 m=56
